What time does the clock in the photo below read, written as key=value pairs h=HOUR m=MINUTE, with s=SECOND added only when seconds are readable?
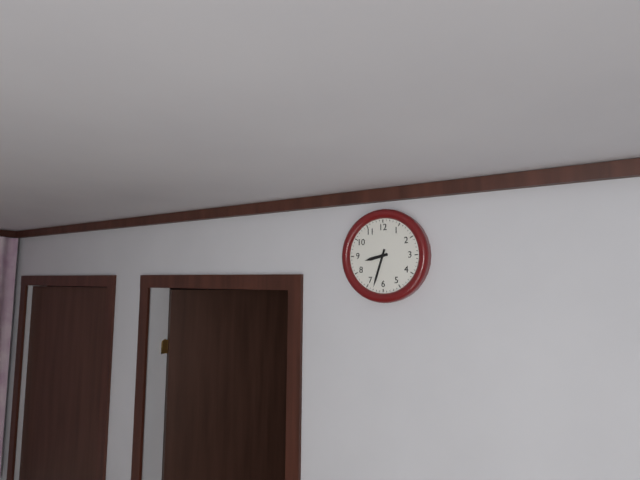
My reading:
h=8 m=33
